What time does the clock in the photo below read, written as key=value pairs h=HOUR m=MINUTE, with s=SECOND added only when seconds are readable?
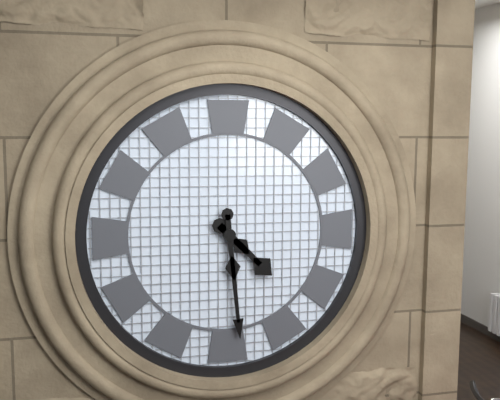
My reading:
h=4 m=29
